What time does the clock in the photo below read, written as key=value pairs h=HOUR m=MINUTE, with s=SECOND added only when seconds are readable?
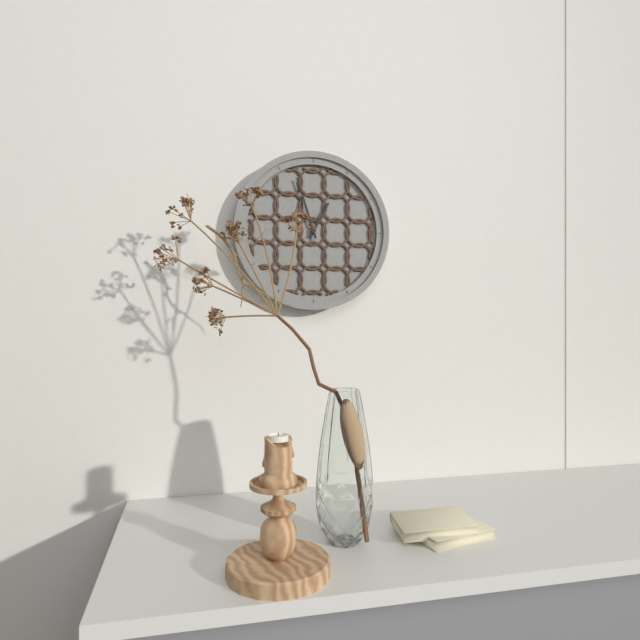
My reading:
h=12 m=57
